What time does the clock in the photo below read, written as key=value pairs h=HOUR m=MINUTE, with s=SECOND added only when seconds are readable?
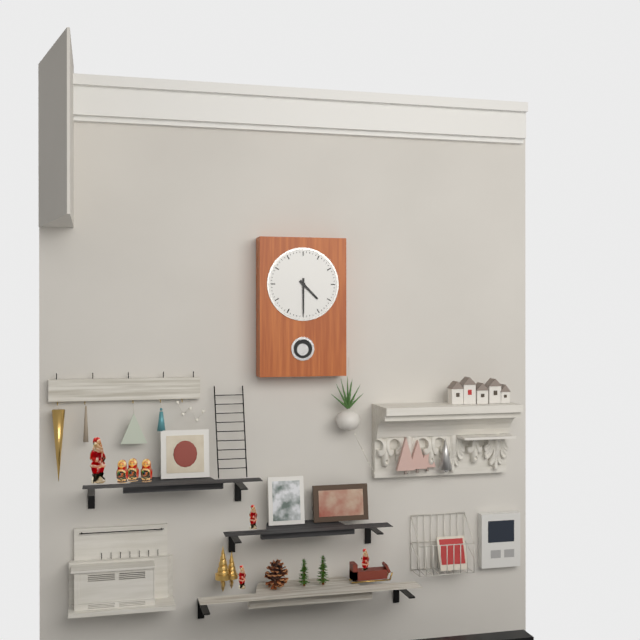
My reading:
h=4 m=30
